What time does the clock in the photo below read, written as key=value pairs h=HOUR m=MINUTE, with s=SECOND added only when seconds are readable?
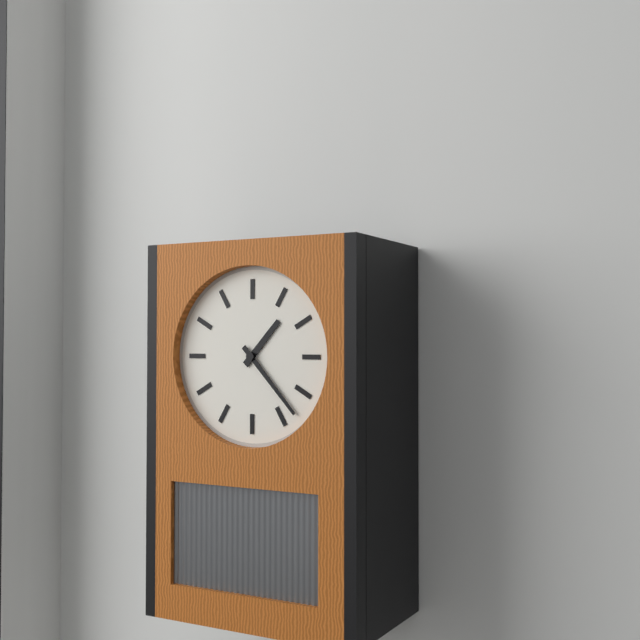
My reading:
h=1 m=23
